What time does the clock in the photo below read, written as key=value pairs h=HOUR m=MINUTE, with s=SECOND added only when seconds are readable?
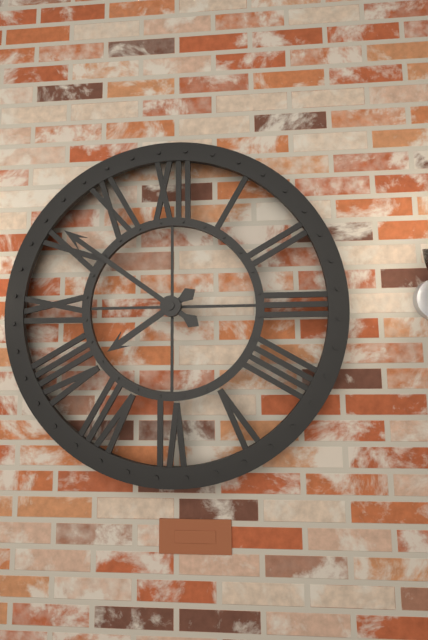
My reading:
h=7 m=51
